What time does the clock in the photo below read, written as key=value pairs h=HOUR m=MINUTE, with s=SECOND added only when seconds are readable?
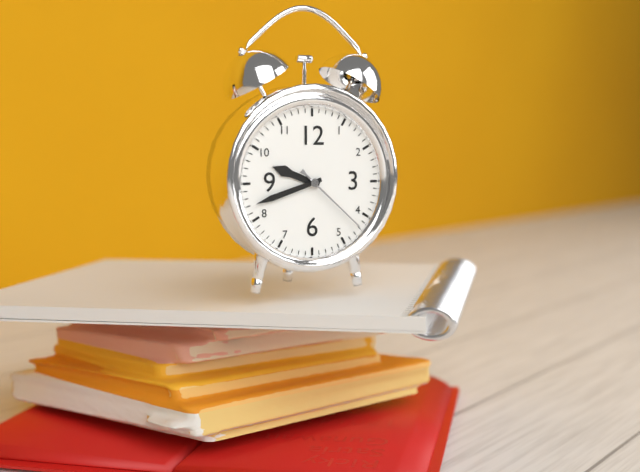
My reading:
h=9 m=42 s=22
